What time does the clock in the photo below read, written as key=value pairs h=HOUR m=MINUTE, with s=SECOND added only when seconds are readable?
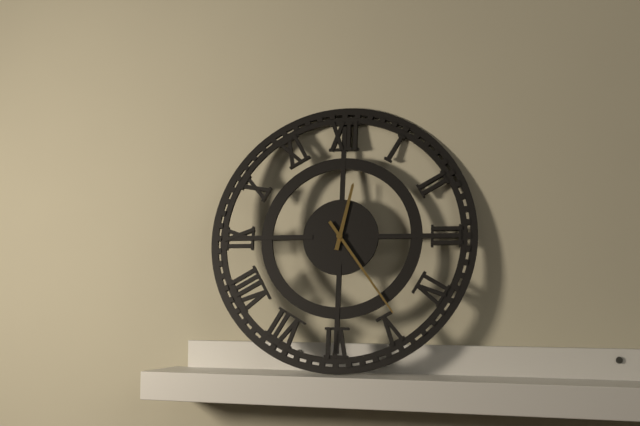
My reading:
h=12 m=24
